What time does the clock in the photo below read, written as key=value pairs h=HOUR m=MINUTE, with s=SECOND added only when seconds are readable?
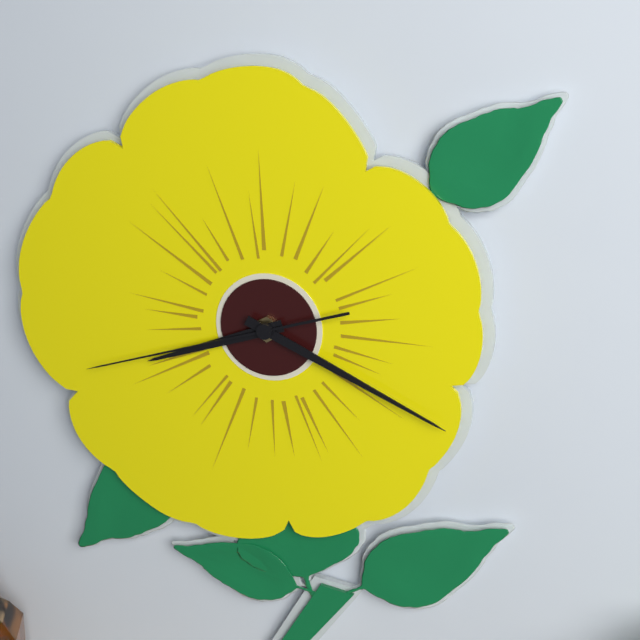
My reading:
h=8 m=19 s=42
